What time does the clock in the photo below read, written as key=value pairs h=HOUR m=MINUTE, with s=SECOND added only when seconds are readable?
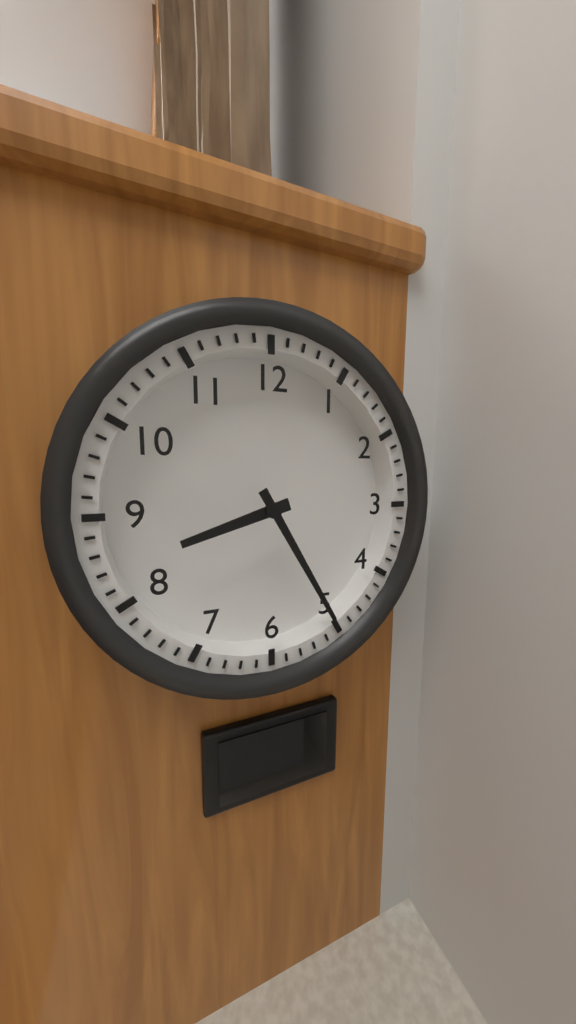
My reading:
h=8 m=25
